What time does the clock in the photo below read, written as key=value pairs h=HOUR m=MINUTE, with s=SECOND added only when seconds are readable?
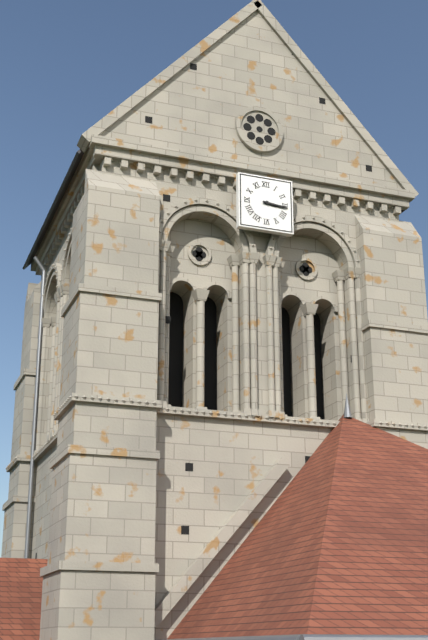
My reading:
h=3 m=16
